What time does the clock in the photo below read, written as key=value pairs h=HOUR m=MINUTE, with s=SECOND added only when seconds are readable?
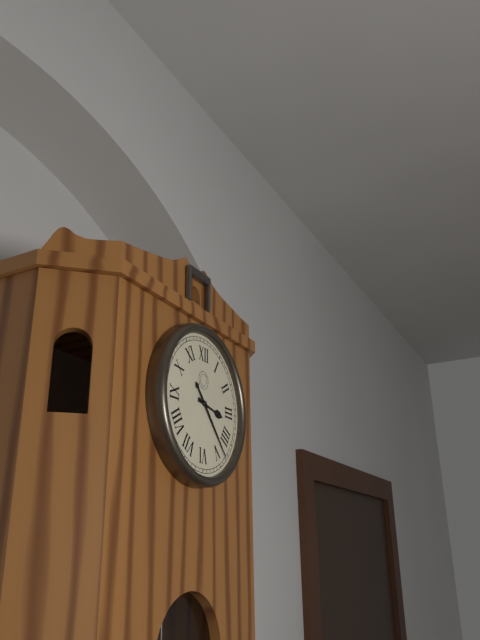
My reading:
h=3 m=23
